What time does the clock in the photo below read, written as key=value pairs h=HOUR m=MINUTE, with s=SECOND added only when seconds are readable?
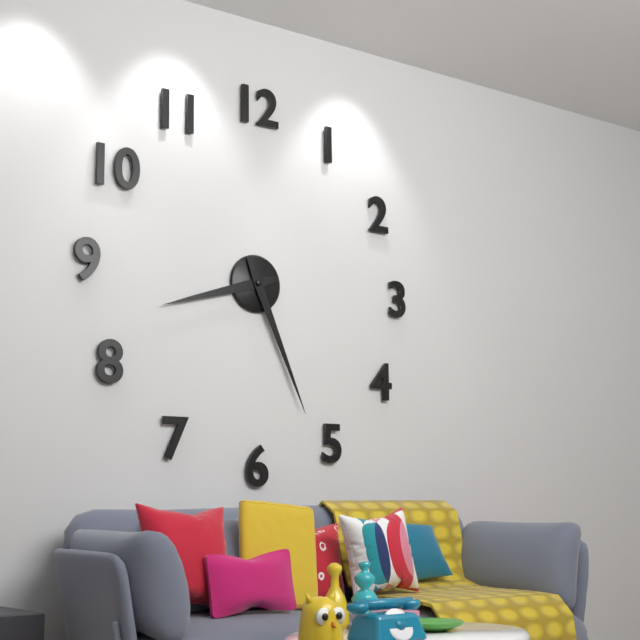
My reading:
h=8 m=26
